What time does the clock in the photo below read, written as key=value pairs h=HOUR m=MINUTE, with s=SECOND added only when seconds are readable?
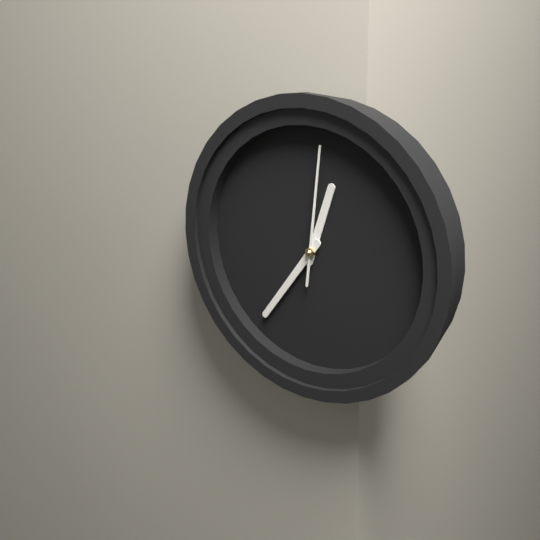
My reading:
h=12 m=36 s=1
